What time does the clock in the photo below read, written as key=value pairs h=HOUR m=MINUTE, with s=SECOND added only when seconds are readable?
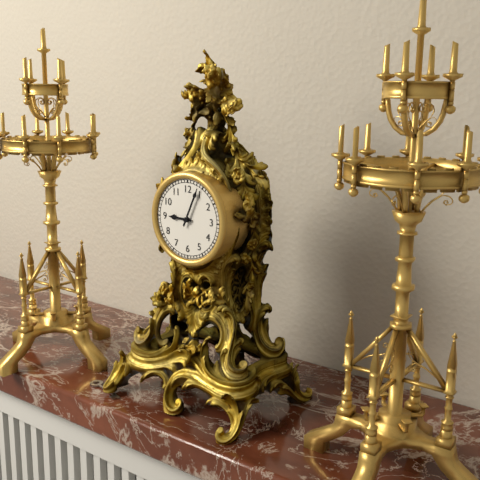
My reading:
h=9 m=4
